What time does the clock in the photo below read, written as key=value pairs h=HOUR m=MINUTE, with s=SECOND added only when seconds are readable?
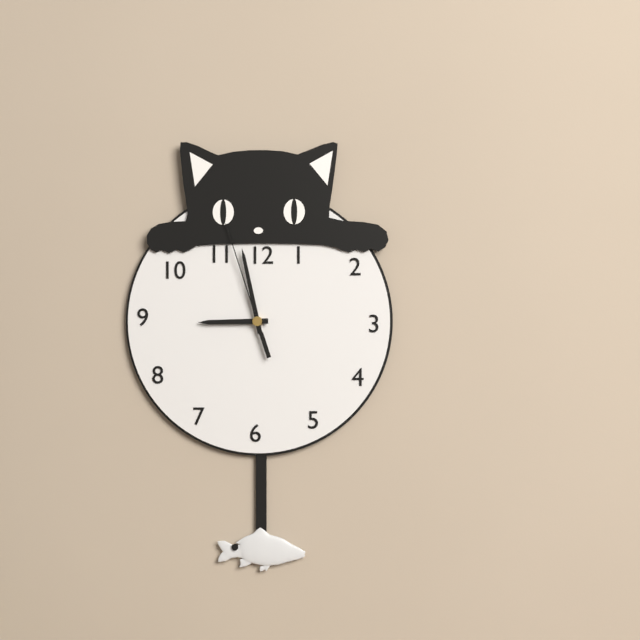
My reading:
h=8 m=58 s=57
